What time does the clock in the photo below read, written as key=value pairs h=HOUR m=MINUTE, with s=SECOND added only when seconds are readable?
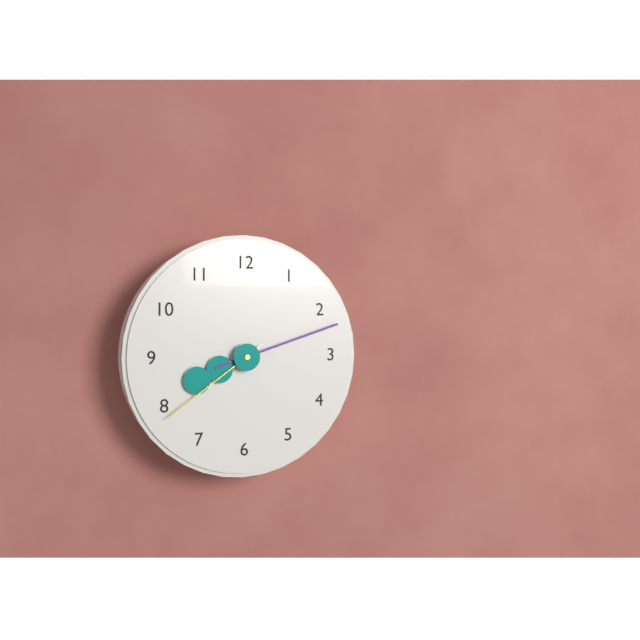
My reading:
h=8 m=12 s=39
